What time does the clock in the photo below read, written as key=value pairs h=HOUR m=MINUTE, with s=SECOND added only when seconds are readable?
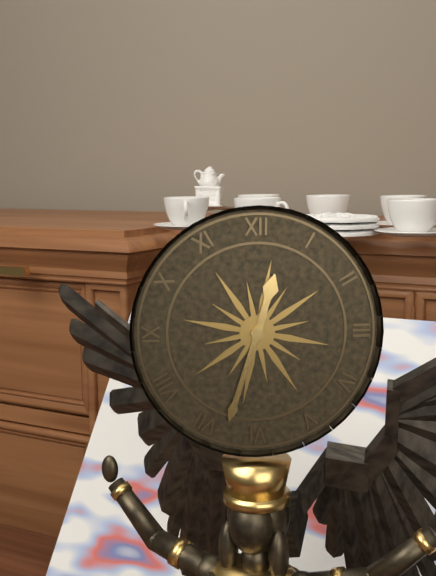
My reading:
h=12 m=33
